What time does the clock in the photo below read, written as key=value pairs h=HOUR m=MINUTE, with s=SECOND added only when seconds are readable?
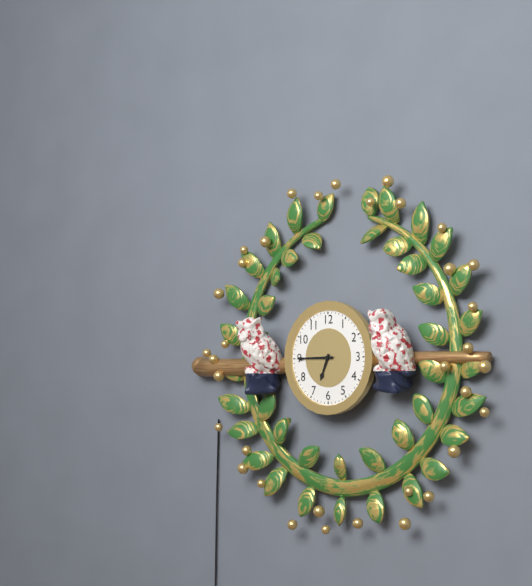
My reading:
h=6 m=45
